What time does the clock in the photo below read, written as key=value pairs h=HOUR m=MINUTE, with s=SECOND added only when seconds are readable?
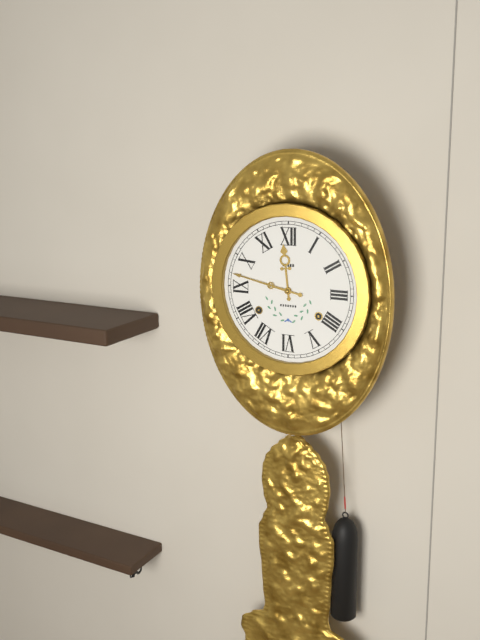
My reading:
h=11 m=47
